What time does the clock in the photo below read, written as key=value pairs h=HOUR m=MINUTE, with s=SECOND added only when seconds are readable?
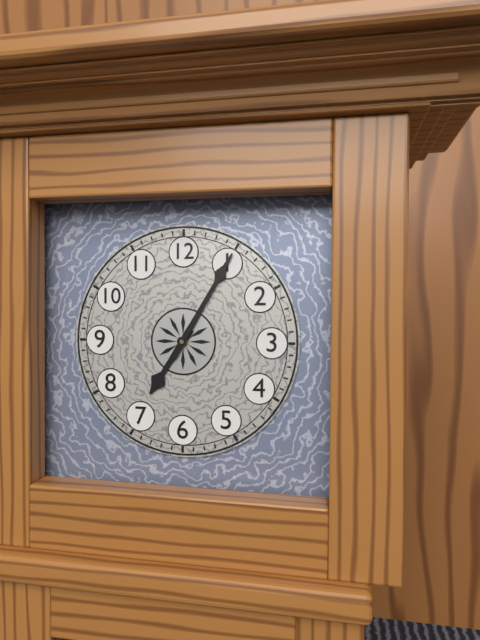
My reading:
h=7 m=5
